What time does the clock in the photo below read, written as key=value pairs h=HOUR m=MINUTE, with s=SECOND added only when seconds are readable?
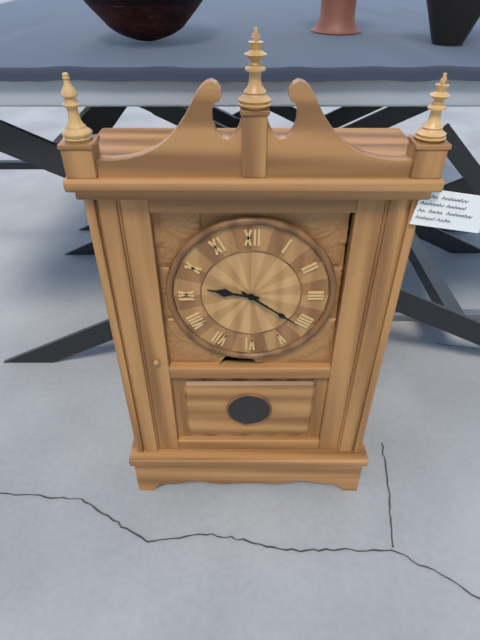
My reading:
h=9 m=21
